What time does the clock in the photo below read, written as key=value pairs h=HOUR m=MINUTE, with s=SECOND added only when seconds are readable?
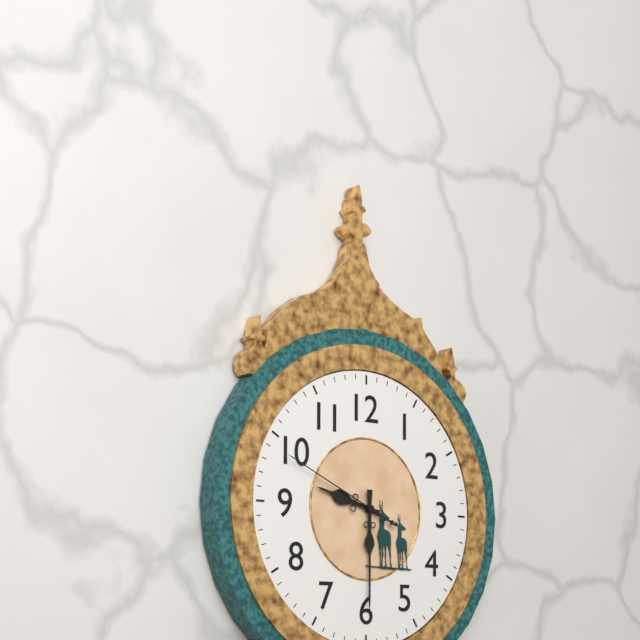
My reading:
h=9 m=30 s=49
